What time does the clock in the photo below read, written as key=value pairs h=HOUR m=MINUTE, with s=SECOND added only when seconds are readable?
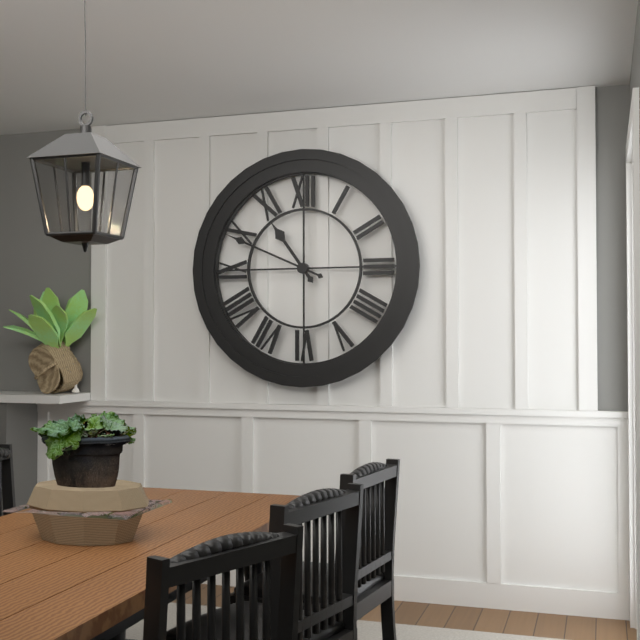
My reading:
h=10 m=49
